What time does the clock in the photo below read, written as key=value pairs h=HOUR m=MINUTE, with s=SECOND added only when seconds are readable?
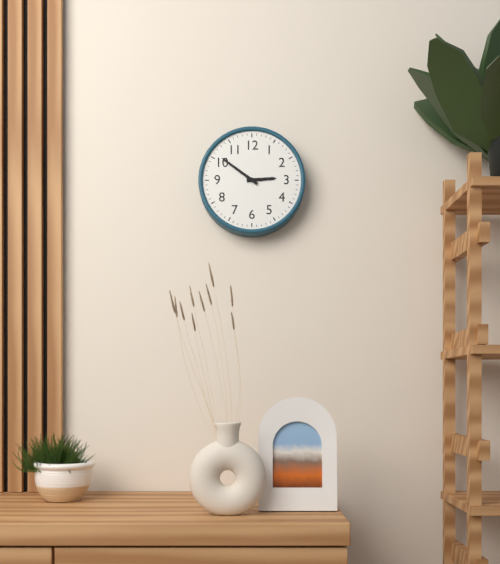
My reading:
h=2 m=51
